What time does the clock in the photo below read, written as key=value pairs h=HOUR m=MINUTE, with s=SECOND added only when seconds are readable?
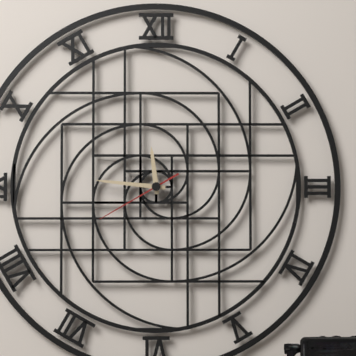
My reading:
h=11 m=46 s=40
